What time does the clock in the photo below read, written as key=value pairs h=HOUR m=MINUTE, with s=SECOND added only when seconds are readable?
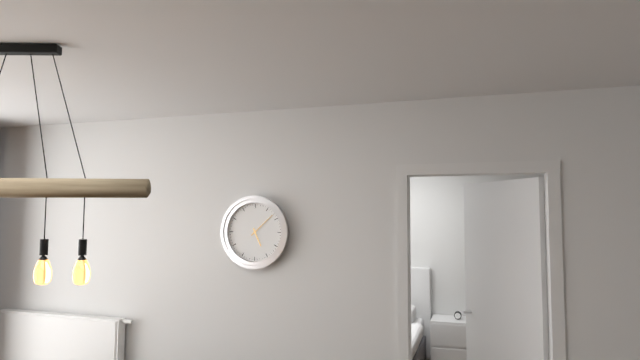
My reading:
h=5 m=8
